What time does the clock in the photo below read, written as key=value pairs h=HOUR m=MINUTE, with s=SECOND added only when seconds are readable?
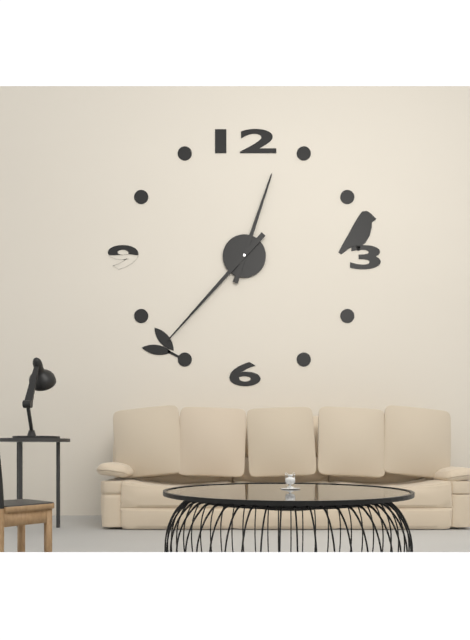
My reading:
h=12 m=37
